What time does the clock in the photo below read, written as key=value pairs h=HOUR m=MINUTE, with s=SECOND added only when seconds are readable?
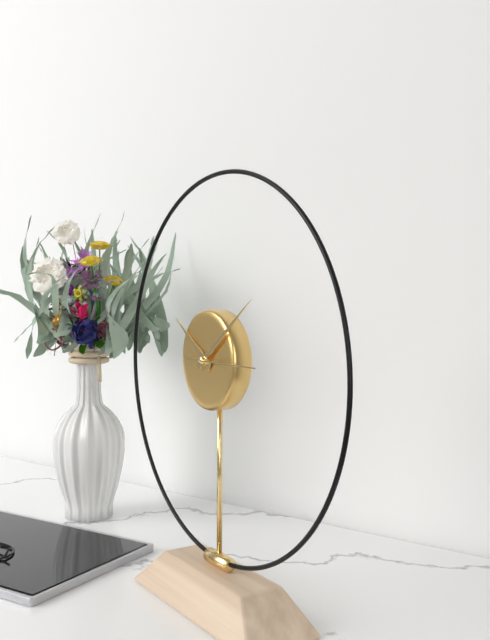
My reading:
h=10 m=9 s=15
